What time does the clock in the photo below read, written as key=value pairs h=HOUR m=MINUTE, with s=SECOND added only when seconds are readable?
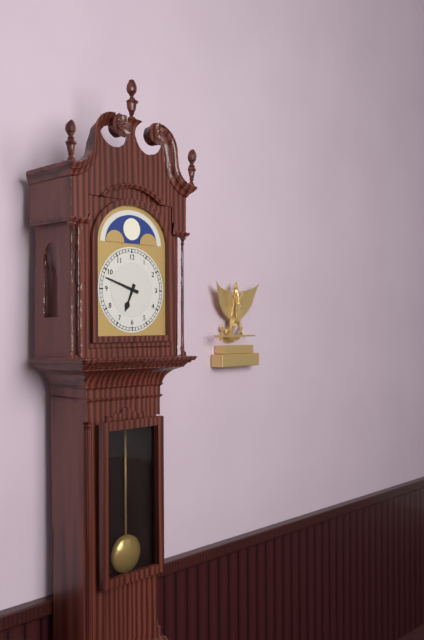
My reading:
h=6 m=48
